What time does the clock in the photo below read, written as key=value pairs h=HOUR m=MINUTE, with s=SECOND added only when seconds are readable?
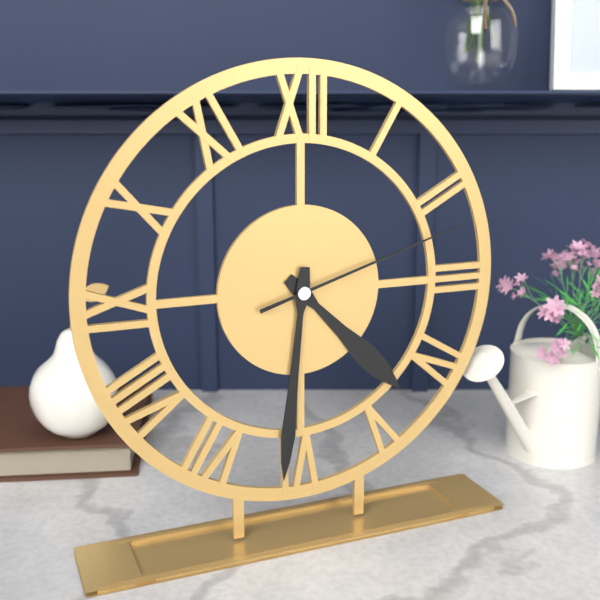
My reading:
h=4 m=31 s=12
